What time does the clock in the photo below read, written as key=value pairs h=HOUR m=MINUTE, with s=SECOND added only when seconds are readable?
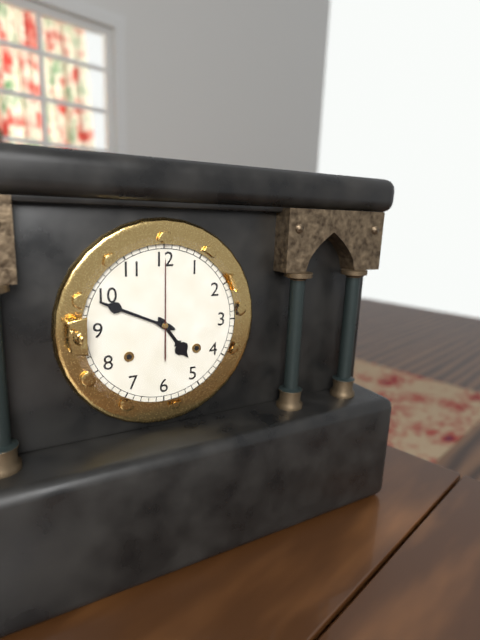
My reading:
h=4 m=49 s=0
